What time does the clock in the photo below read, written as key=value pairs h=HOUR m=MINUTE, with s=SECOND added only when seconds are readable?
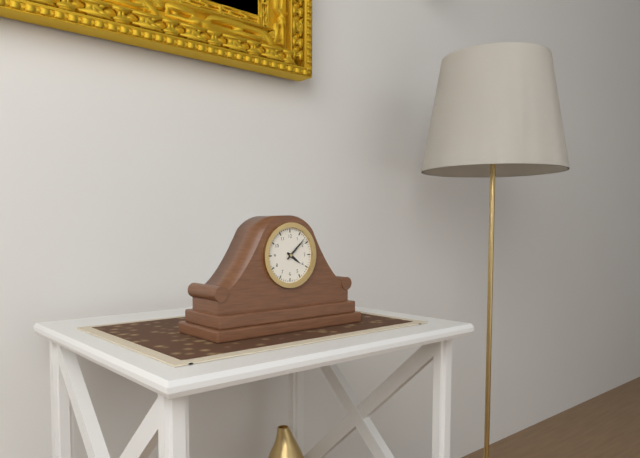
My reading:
h=4 m=8
